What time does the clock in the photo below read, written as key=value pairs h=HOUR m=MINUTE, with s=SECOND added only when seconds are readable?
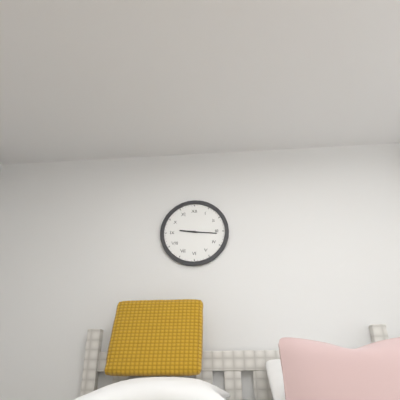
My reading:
h=9 m=16
